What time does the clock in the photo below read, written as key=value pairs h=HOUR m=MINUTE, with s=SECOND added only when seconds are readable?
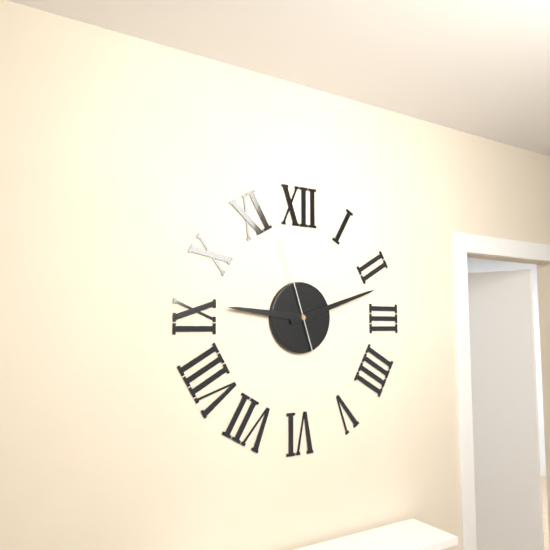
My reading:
h=9 m=12 s=57
